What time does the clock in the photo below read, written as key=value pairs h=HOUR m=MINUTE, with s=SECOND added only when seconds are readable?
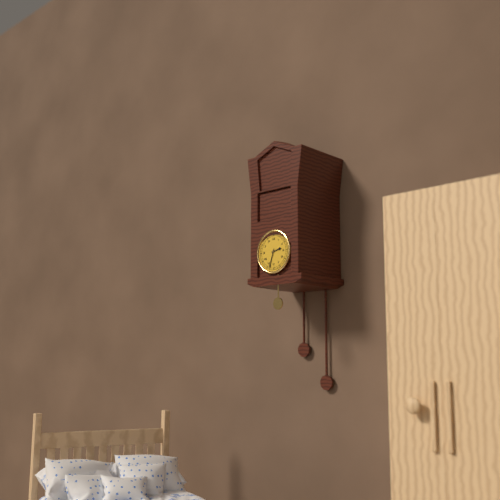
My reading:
h=2 m=33
